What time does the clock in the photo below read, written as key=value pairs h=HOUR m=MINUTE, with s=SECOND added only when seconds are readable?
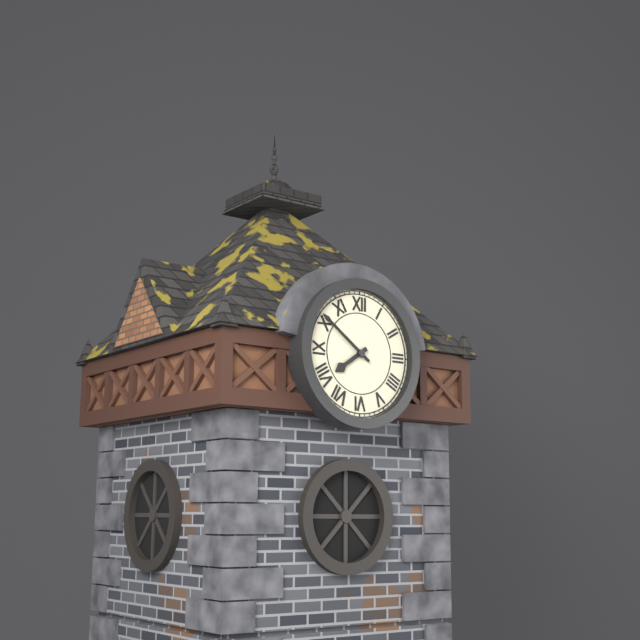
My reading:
h=7 m=51
